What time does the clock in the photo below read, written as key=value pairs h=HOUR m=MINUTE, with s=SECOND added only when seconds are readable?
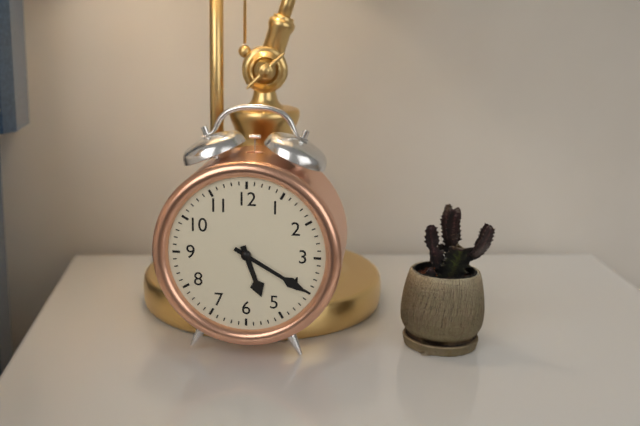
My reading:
h=5 m=20
